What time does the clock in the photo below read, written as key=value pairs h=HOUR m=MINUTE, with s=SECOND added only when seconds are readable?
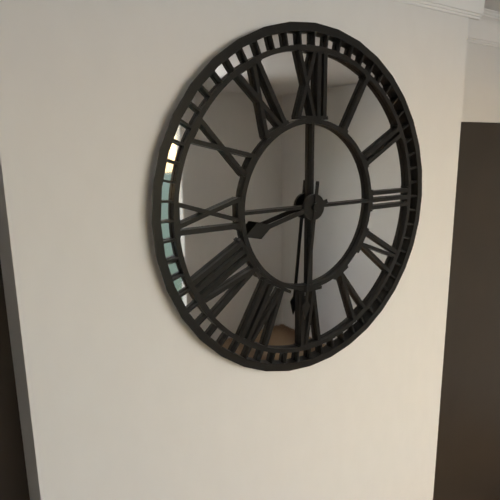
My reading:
h=8 m=31
